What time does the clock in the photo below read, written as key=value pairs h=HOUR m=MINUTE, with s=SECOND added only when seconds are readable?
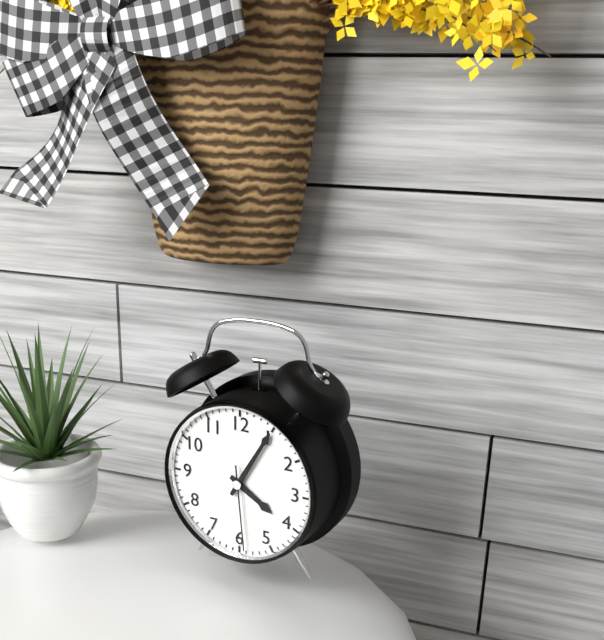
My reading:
h=4 m=5 s=29
